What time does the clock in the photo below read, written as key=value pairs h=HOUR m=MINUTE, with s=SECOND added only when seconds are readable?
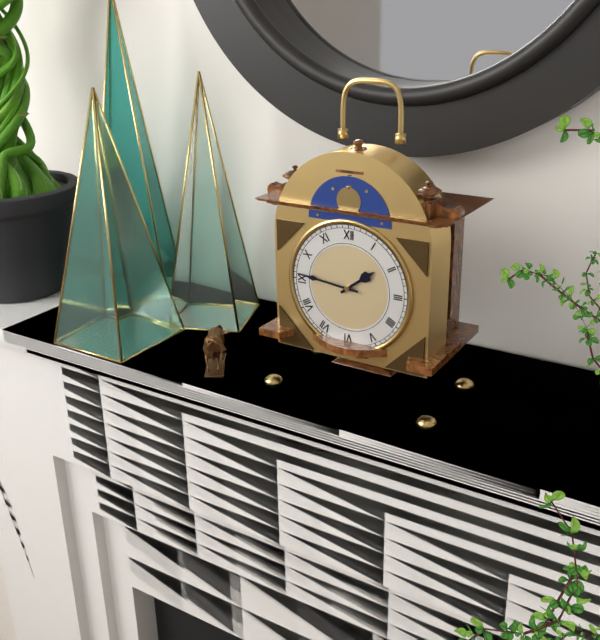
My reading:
h=1 m=46
